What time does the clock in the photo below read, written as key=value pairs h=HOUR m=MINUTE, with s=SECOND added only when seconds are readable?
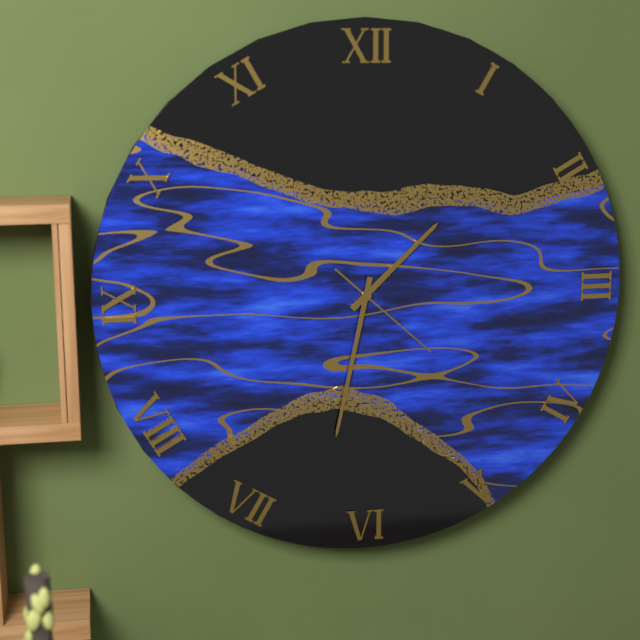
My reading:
h=1 m=32 s=22
